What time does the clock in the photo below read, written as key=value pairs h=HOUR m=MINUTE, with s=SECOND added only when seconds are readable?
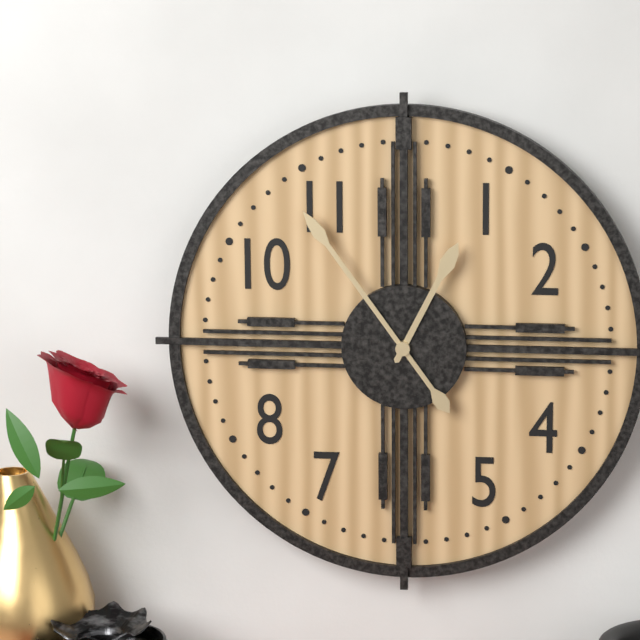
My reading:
h=12 m=54
